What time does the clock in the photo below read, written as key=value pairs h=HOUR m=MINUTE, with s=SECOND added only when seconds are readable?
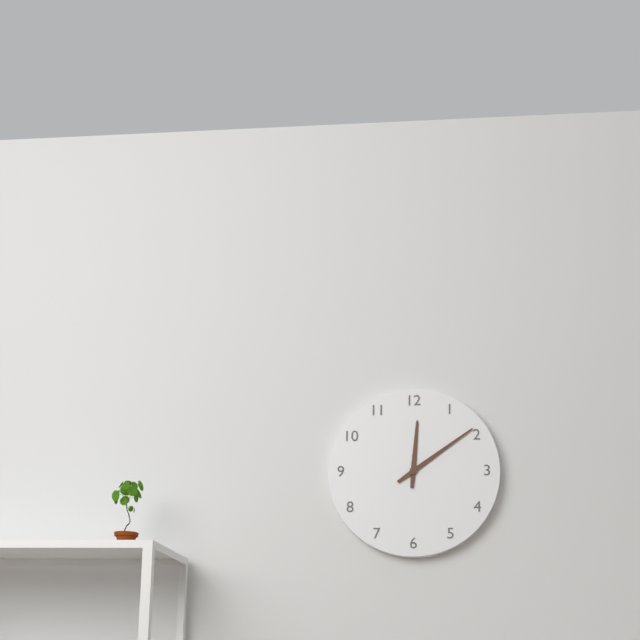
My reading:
h=12 m=9
